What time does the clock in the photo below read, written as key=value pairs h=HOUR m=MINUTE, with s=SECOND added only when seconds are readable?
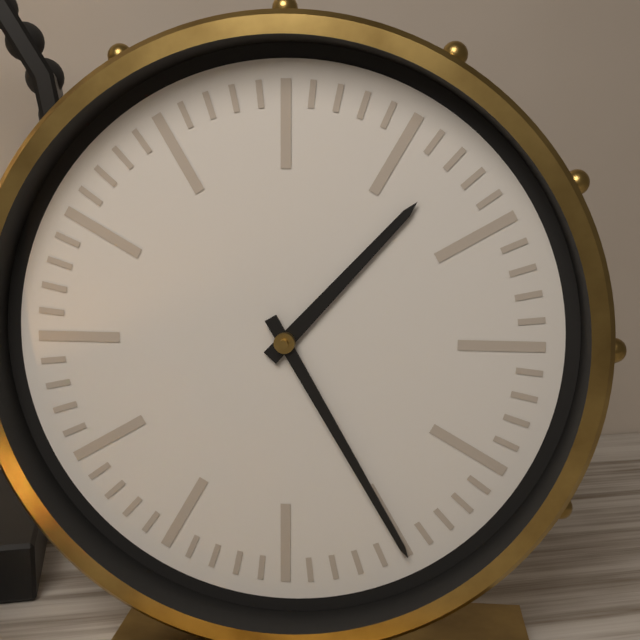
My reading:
h=1 m=25
